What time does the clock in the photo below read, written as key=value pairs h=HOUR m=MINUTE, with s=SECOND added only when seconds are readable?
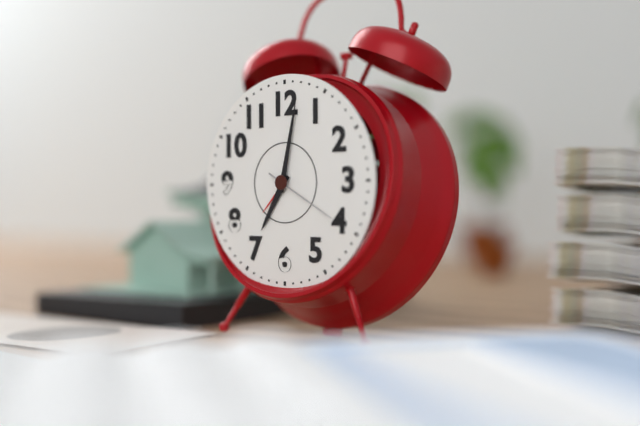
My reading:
h=7 m=2 s=20
